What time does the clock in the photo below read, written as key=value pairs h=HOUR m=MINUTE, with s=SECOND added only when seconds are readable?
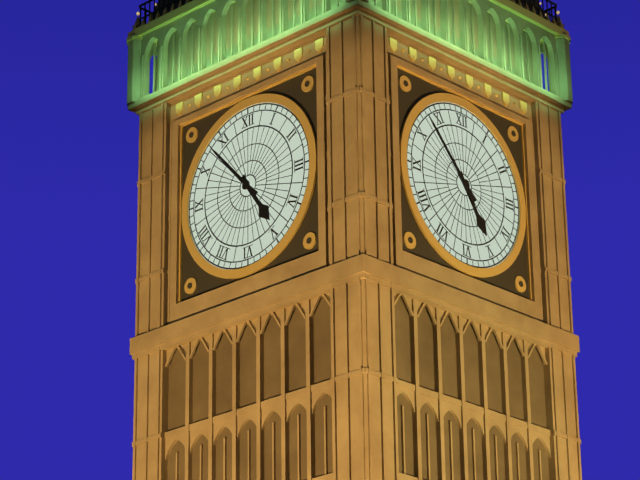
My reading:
h=4 m=53
